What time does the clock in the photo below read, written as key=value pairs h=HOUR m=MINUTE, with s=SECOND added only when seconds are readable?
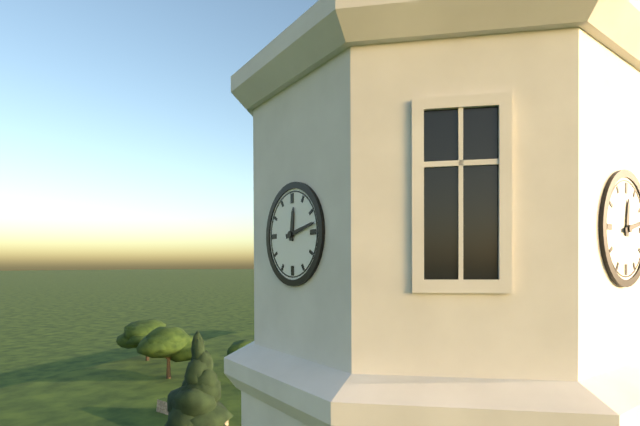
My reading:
h=12 m=13
